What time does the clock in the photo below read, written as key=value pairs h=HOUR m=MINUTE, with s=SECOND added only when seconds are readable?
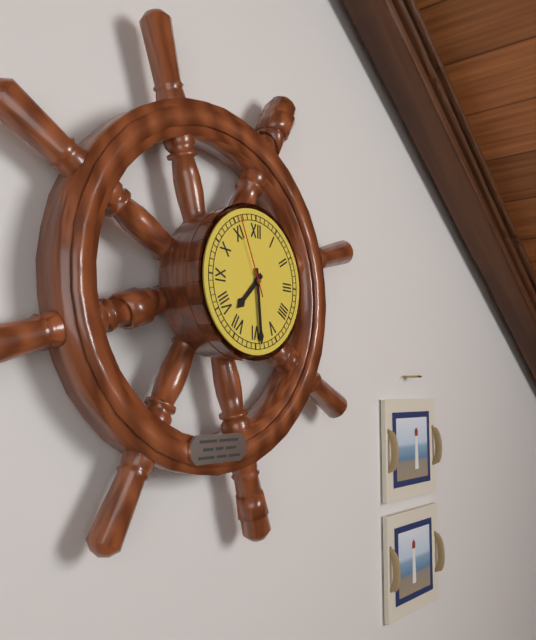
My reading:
h=7 m=29 s=56
